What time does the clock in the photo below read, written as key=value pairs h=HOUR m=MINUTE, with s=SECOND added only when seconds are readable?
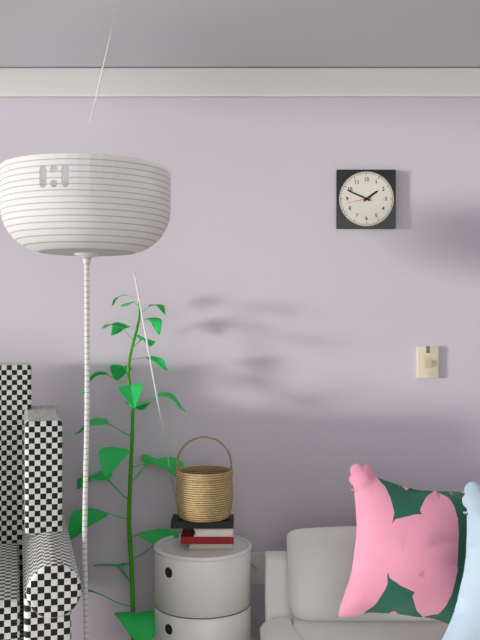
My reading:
h=1 m=49
